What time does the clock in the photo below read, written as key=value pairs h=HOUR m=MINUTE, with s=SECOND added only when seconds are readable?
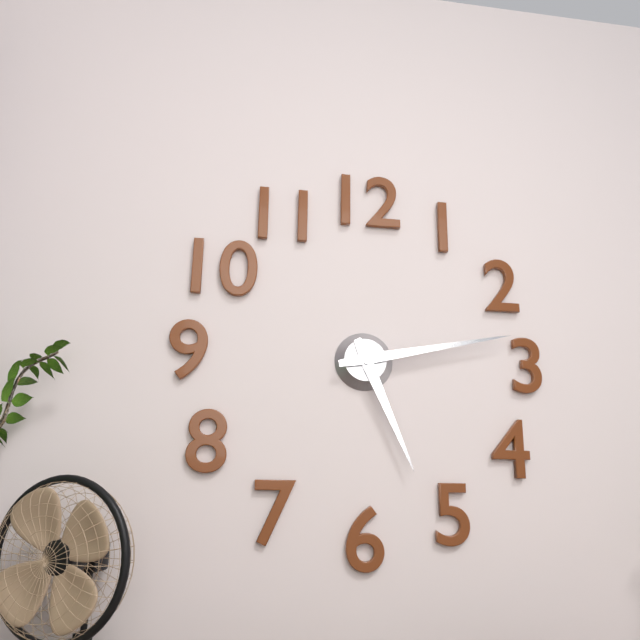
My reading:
h=5 m=13
